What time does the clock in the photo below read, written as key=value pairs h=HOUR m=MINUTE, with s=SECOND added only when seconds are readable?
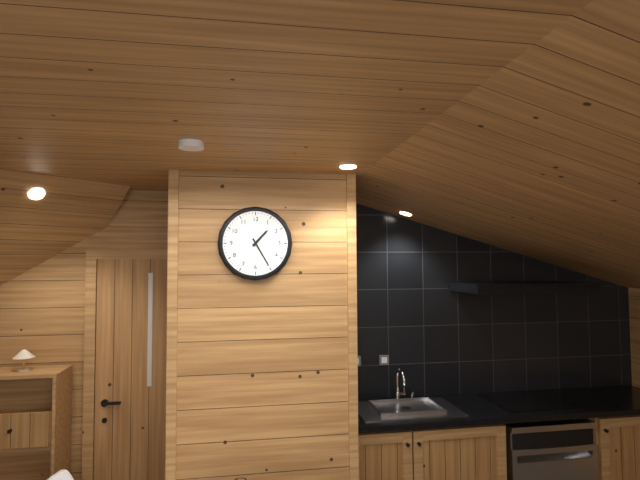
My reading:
h=1 m=25
